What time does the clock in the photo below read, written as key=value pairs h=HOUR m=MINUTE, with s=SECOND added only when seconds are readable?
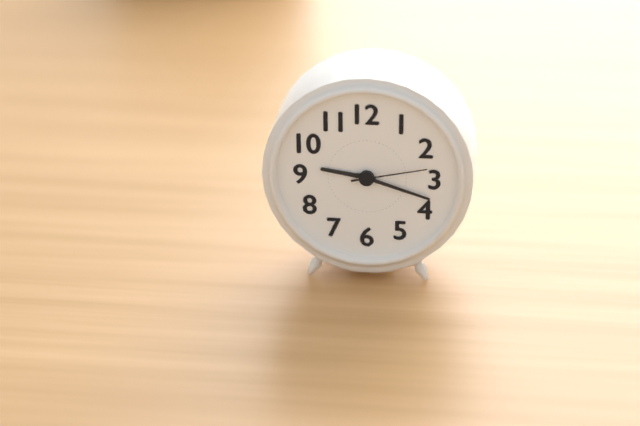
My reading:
h=9 m=18 s=13
